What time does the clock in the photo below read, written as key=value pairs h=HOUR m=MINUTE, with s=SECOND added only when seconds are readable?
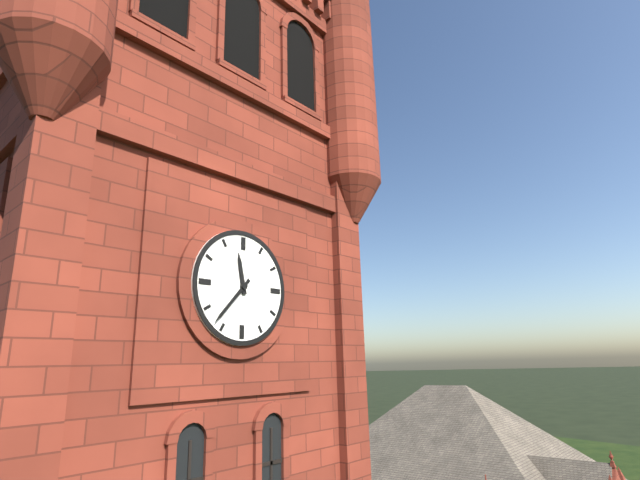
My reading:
h=11 m=37
